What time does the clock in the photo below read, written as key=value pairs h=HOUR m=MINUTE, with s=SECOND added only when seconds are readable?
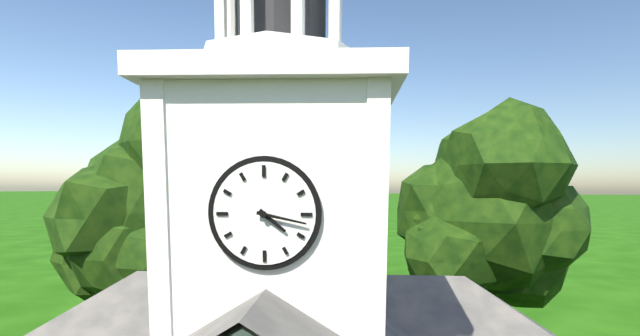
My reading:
h=4 m=17
